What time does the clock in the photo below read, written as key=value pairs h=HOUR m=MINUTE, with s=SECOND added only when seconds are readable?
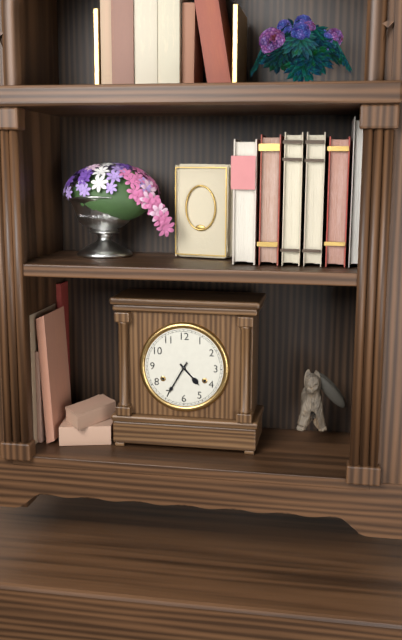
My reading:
h=4 m=35
